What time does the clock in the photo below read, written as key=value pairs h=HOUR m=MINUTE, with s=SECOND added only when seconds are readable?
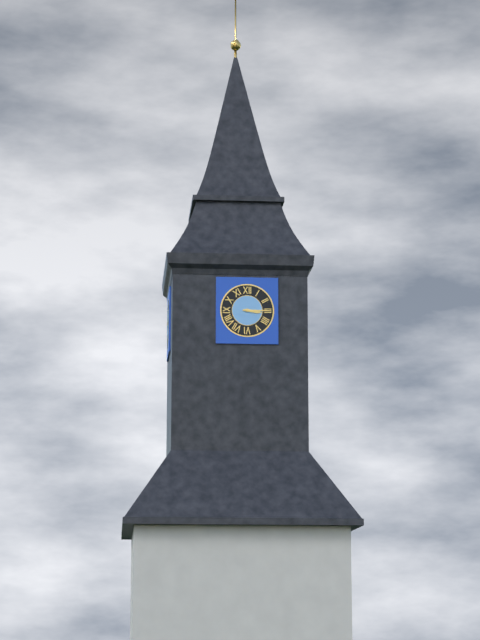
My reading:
h=3 m=15
